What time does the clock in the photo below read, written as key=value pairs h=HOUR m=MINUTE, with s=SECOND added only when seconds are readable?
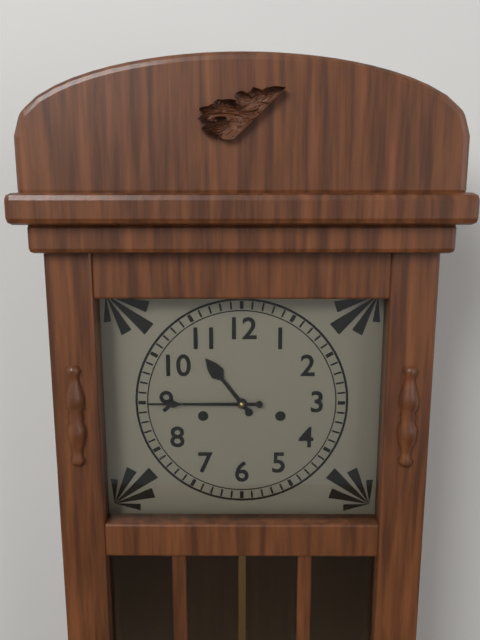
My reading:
h=10 m=45
